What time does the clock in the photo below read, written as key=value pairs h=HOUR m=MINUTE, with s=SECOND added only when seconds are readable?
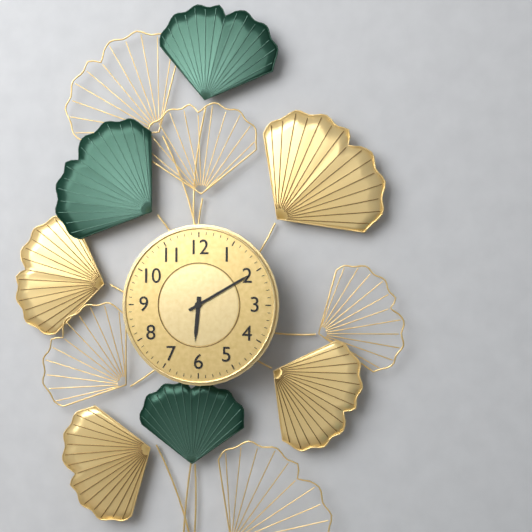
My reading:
h=6 m=10
